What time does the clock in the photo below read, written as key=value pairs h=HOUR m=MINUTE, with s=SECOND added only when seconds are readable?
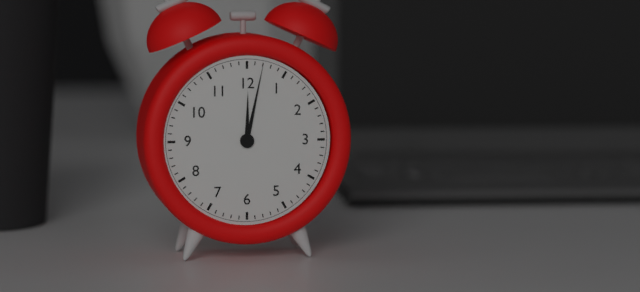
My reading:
h=12 m=2
